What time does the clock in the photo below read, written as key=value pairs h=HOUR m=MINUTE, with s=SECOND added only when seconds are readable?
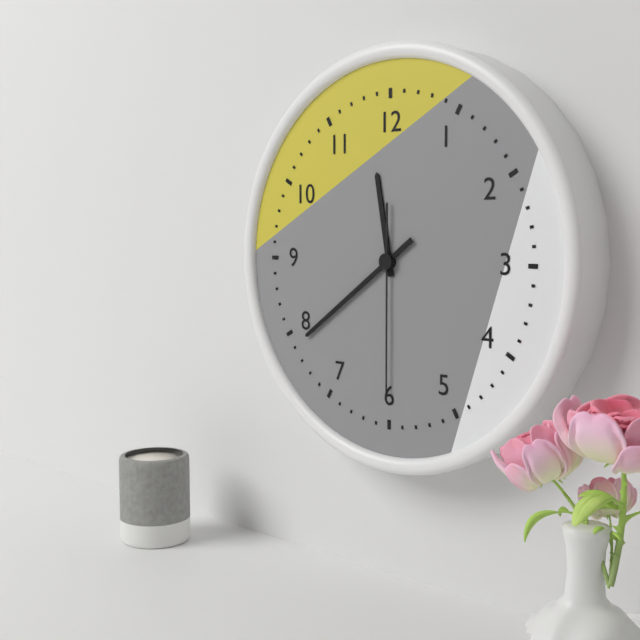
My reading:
h=11 m=39 s=30
